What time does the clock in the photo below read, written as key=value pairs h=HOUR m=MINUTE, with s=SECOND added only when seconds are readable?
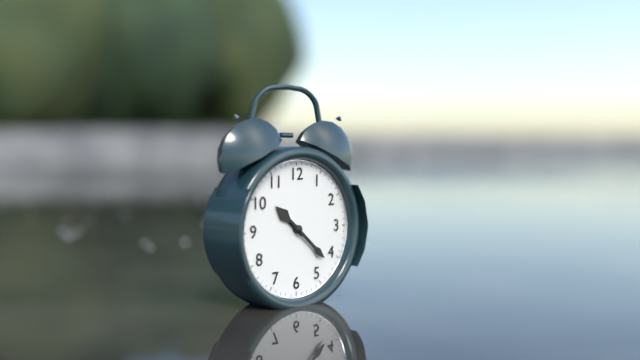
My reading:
h=10 m=22
